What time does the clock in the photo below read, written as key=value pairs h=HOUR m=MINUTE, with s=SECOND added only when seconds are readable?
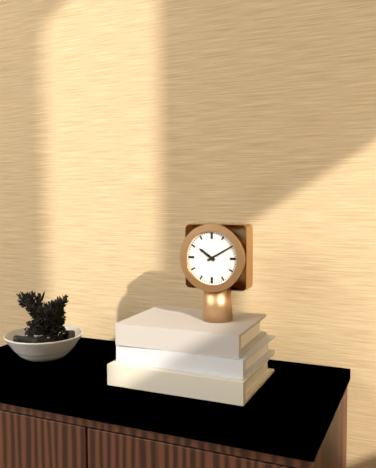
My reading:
h=10 m=10
